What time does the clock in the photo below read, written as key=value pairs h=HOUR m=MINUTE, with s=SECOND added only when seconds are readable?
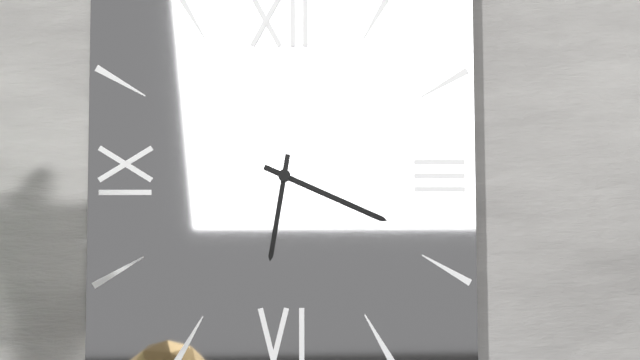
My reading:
h=6 m=19
